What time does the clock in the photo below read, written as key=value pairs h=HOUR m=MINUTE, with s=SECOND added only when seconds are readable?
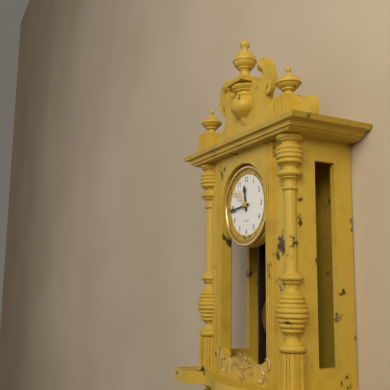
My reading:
h=11 m=44
